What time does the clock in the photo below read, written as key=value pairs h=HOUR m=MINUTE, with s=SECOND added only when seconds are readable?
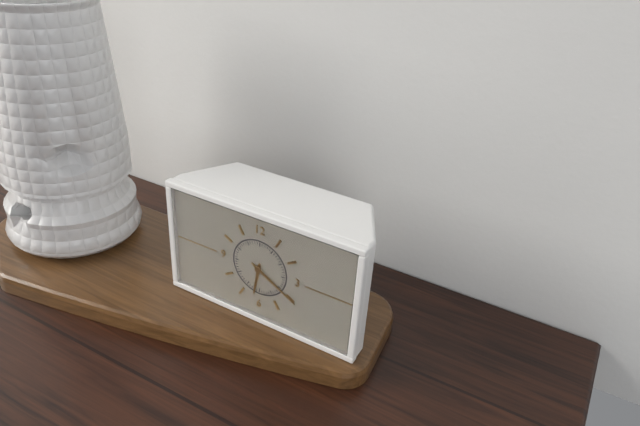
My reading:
h=6 m=20
